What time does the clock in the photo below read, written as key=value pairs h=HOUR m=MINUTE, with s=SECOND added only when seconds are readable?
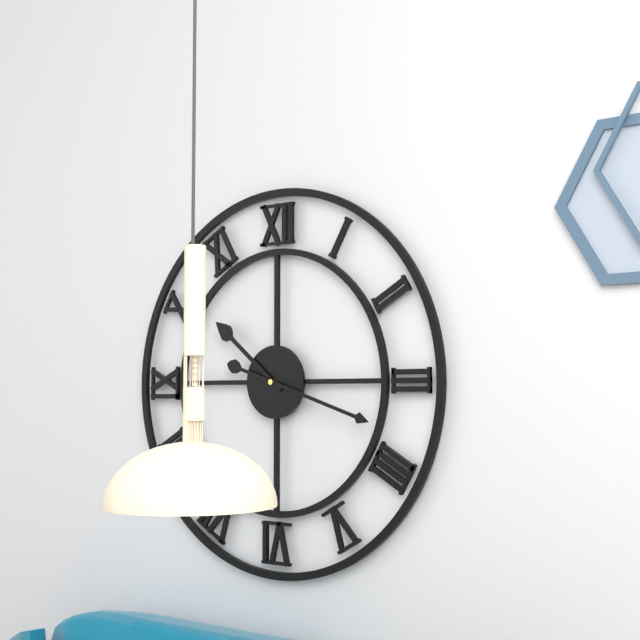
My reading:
h=10 m=18
